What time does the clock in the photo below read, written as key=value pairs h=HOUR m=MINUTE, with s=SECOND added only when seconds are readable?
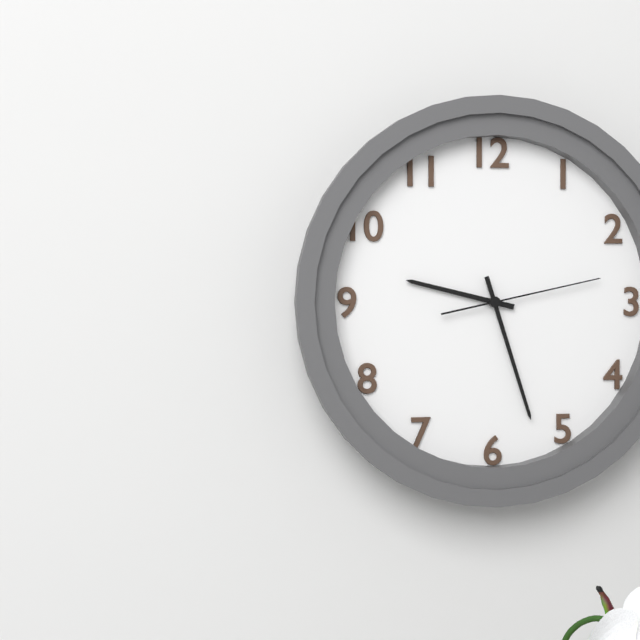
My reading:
h=9 m=27 s=13
